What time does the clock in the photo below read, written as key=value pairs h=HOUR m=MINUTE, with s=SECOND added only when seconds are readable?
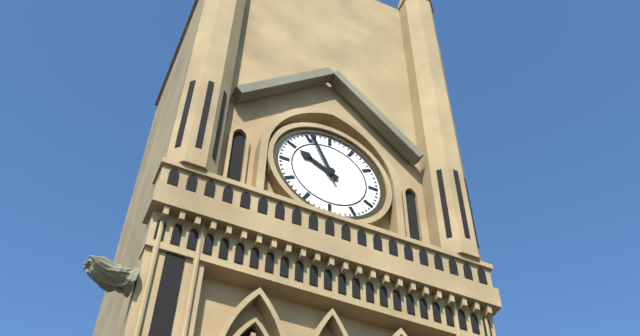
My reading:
h=9 m=56
